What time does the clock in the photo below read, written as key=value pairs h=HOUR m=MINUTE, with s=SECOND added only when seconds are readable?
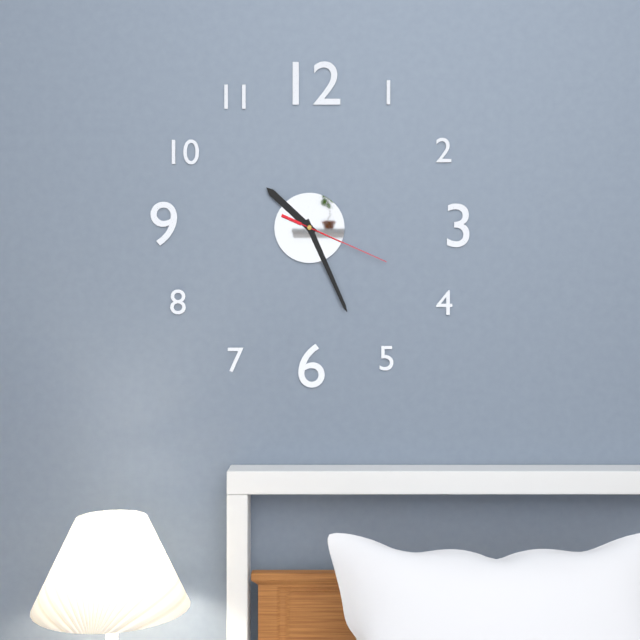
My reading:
h=10 m=26 s=19
